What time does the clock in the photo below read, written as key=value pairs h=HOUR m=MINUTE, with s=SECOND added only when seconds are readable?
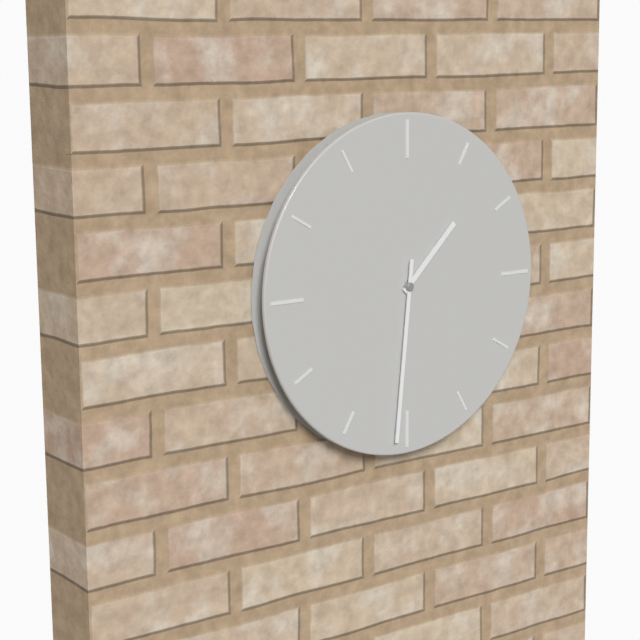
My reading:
h=1 m=31
